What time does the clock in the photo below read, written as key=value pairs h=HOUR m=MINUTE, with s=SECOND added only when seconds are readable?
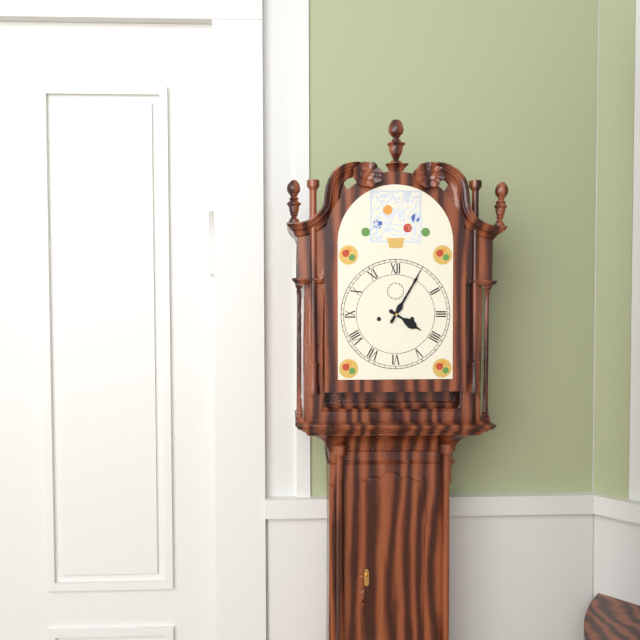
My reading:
h=4 m=5
